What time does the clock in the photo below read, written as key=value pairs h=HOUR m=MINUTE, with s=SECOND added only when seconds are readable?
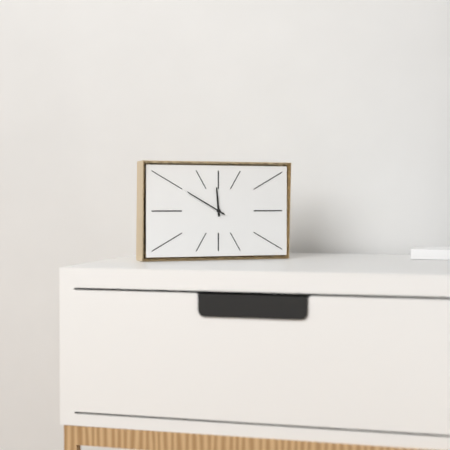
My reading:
h=11 m=50
